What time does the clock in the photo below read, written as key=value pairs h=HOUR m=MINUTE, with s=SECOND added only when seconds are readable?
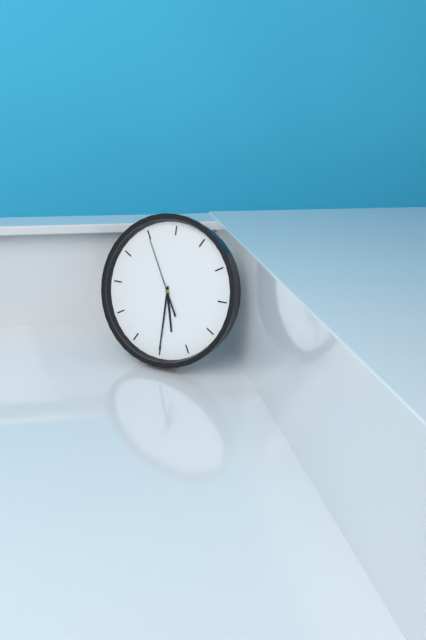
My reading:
h=5 m=30 s=55
